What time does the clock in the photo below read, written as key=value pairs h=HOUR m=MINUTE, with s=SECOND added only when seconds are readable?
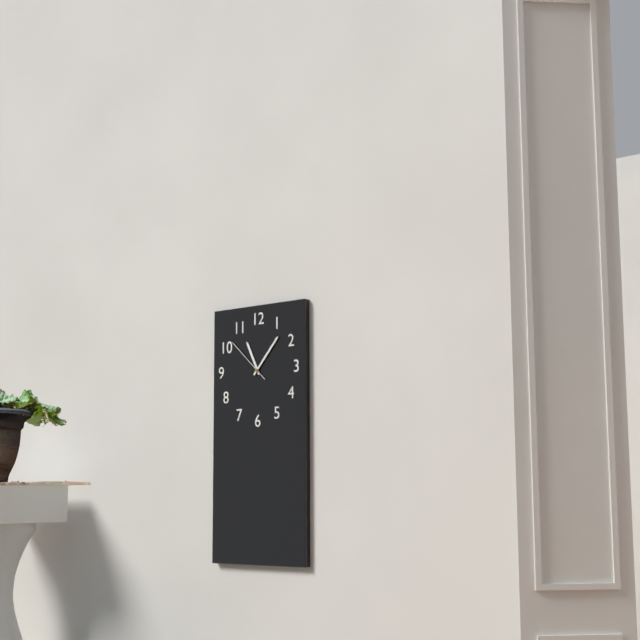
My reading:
h=11 m=7
